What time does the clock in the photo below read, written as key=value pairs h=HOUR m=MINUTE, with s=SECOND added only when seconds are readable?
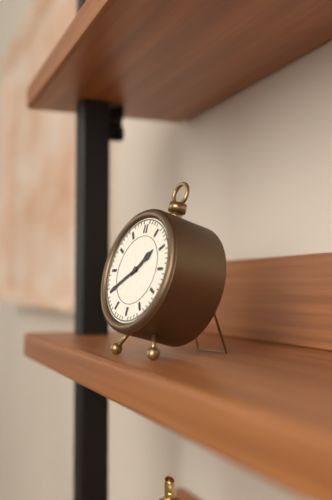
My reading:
h=1 m=40
